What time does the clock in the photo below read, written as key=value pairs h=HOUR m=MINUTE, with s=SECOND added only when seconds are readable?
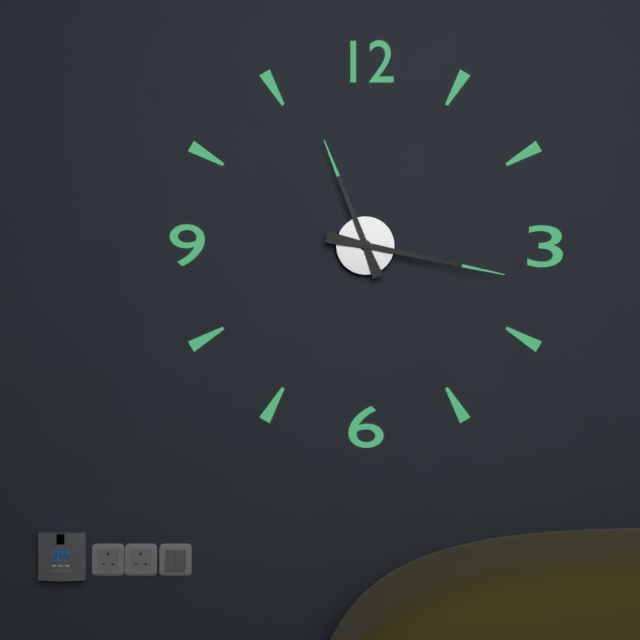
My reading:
h=11 m=17
